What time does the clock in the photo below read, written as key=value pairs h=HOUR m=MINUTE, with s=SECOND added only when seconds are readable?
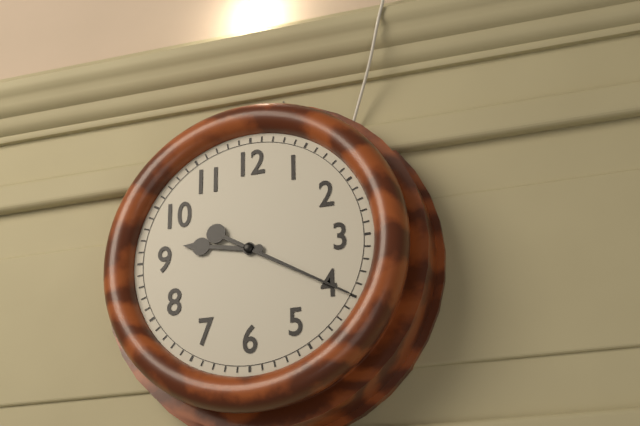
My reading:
h=9 m=20
